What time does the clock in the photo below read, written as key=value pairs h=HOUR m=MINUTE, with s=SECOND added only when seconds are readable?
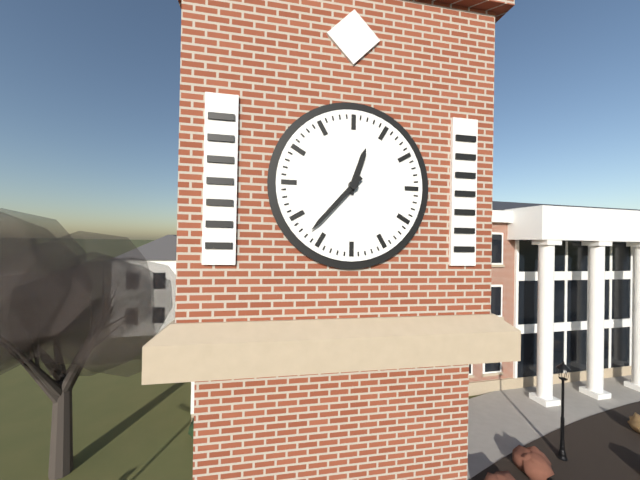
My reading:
h=12 m=37
